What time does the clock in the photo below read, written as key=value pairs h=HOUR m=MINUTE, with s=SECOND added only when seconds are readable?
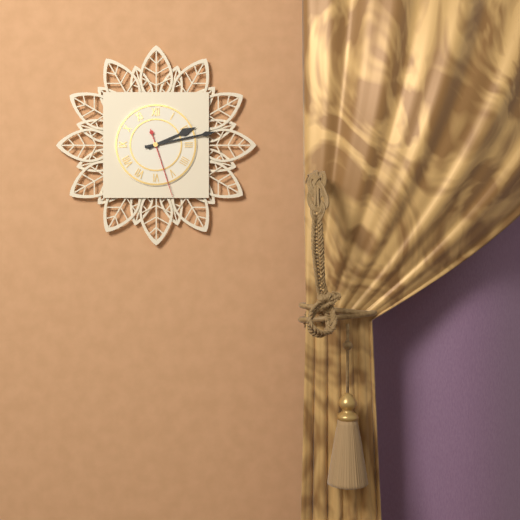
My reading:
h=2 m=13 s=27
